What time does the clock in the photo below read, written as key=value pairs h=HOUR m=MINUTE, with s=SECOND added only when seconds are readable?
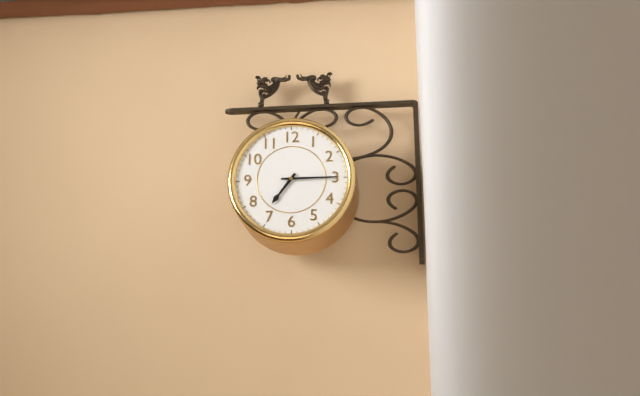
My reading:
h=7 m=15
